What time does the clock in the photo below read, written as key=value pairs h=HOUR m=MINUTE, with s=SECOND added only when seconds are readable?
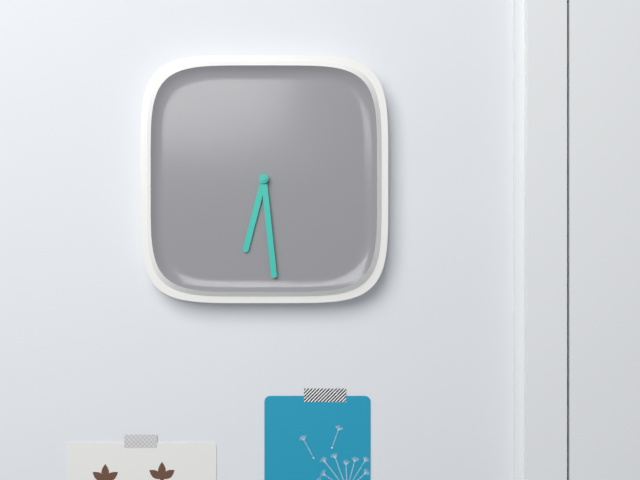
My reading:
h=6 m=29
